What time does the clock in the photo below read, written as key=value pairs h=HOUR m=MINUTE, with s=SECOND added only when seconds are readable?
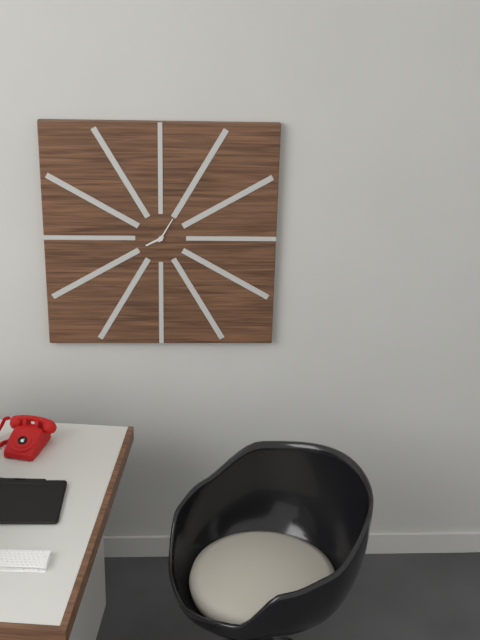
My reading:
h=8 m=5
